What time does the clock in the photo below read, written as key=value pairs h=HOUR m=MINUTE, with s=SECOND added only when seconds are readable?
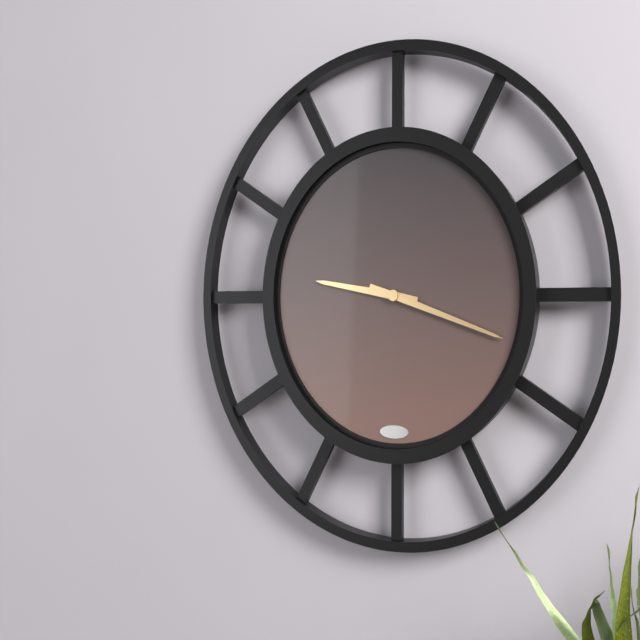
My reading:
h=9 m=18
